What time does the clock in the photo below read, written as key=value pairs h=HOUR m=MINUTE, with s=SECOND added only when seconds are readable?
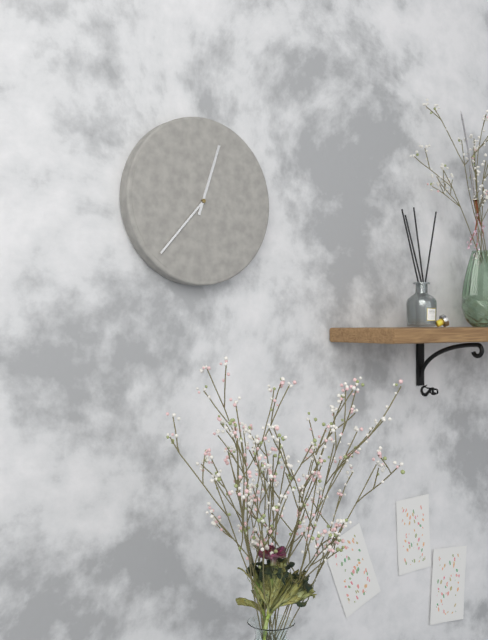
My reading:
h=12 m=37
